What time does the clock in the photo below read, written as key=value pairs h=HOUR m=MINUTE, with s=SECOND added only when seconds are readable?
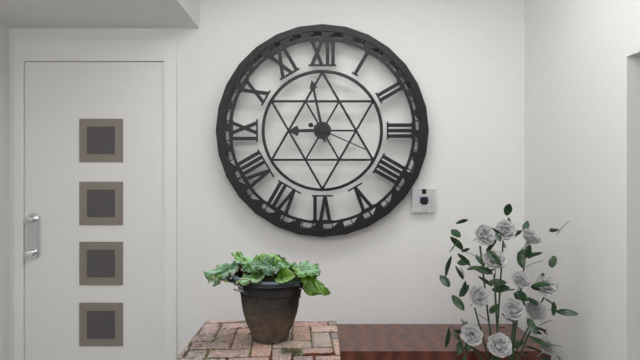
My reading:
h=8 m=58 s=19
